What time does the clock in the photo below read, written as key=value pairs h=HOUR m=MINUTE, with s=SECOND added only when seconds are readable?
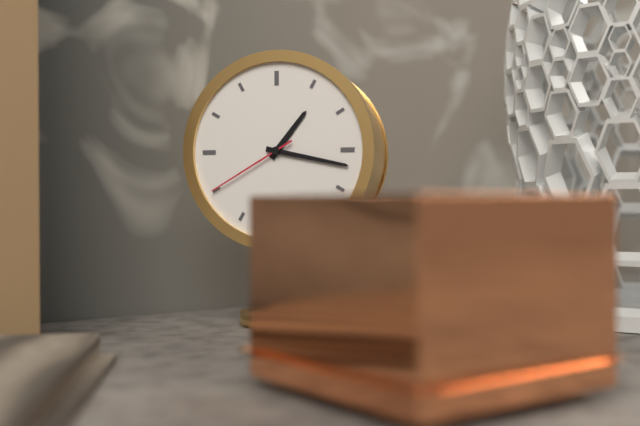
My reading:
h=1 m=17 s=40
